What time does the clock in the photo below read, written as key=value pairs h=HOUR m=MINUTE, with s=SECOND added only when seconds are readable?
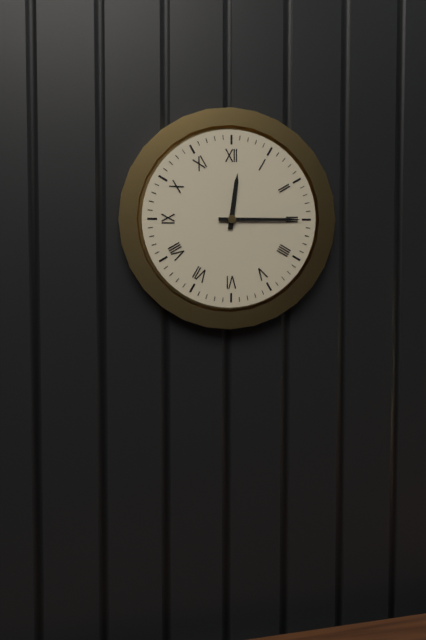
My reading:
h=12 m=15
